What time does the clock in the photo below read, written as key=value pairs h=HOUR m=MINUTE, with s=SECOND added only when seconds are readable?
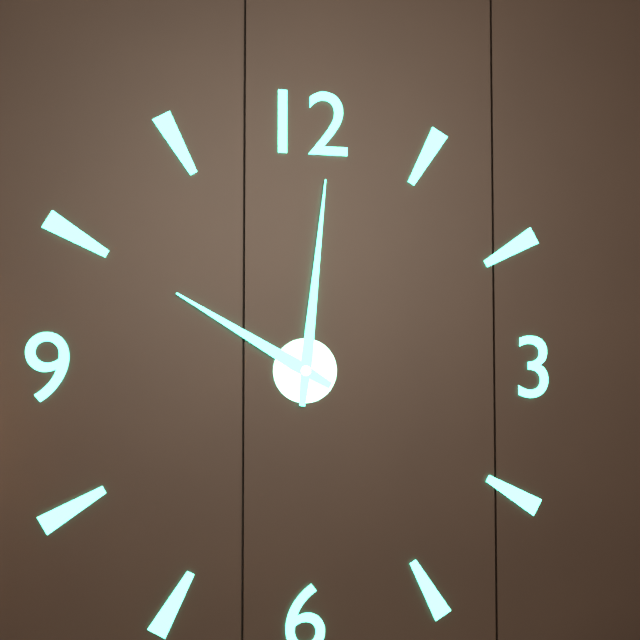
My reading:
h=10 m=1
